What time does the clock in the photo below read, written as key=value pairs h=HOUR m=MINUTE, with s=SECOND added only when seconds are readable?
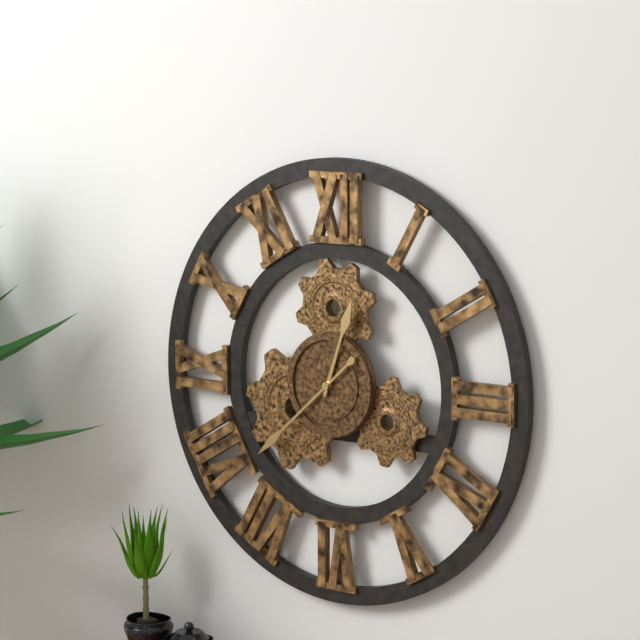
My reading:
h=12 m=38
